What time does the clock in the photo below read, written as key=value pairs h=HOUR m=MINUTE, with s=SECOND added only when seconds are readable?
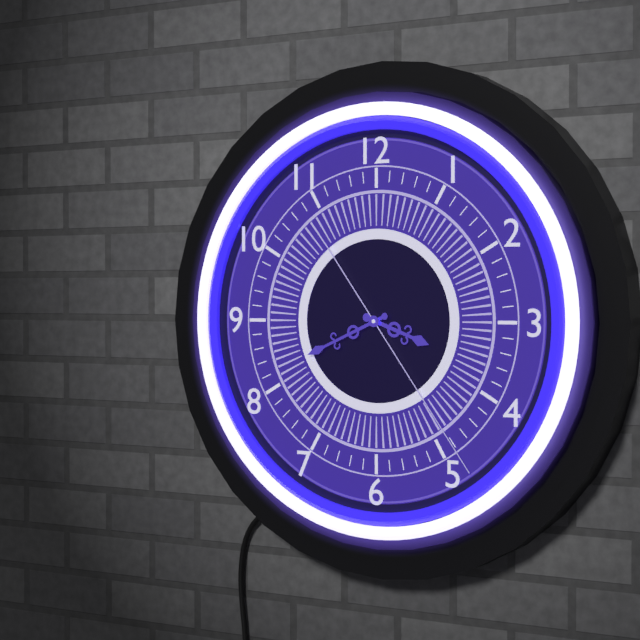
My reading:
h=3 m=41 s=24
